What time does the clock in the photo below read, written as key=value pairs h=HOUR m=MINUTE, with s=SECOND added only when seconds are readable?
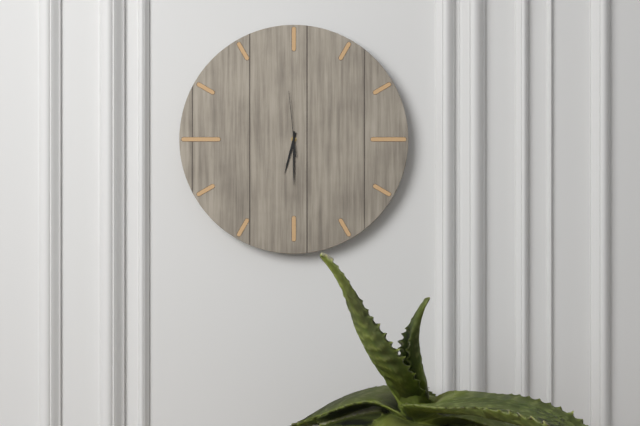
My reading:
h=6 m=30 s=59
